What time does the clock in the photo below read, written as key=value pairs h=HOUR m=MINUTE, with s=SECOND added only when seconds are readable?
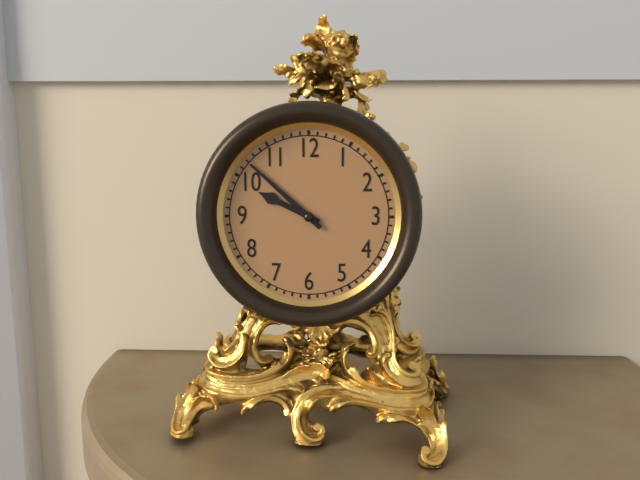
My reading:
h=9 m=52
